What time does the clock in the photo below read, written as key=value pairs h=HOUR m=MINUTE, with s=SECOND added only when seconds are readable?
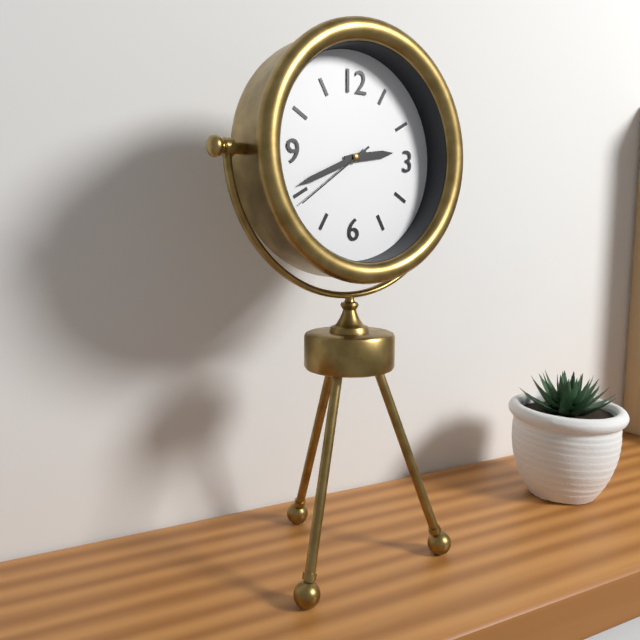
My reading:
h=2 m=41 s=39
